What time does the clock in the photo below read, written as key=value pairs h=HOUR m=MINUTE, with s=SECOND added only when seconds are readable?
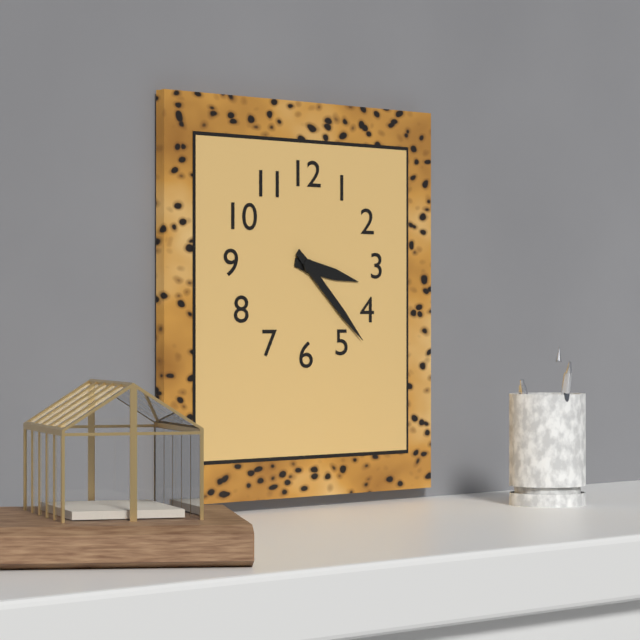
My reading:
h=3 m=22
